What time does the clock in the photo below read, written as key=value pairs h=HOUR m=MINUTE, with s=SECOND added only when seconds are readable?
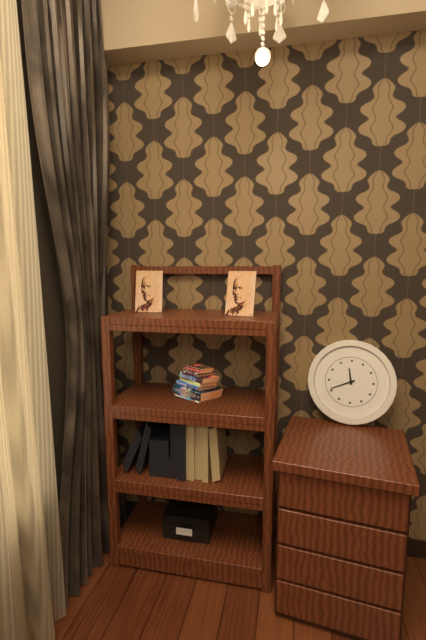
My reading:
h=11 m=41
